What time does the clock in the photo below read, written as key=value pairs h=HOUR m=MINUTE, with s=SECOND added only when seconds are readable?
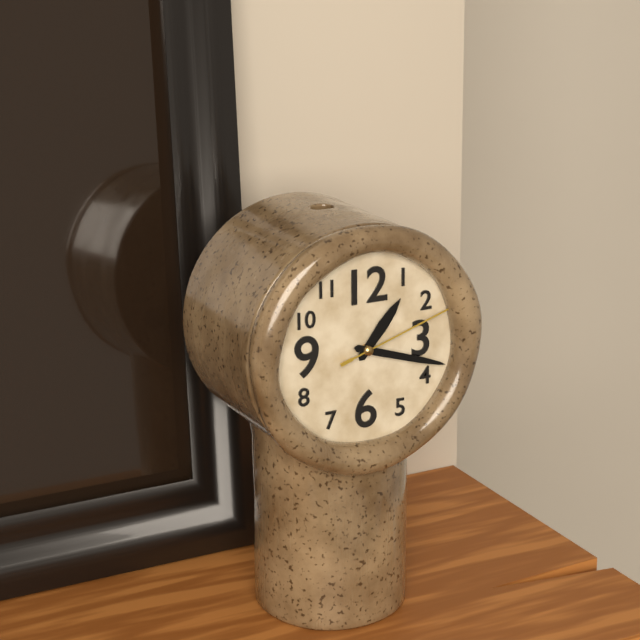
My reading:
h=1 m=18 s=12
